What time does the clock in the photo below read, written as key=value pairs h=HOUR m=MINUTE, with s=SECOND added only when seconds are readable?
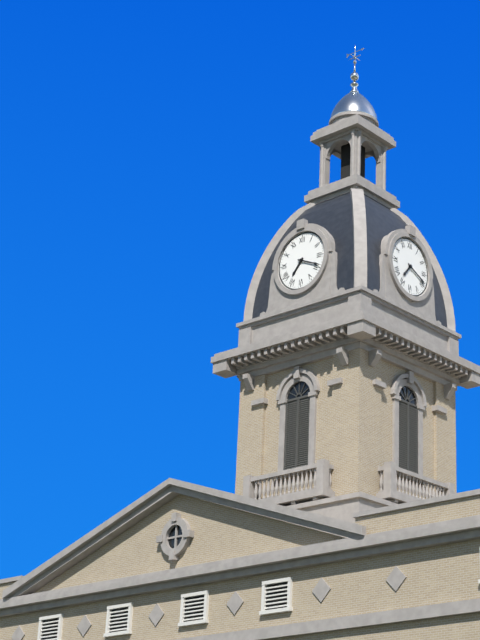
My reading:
h=7 m=19
